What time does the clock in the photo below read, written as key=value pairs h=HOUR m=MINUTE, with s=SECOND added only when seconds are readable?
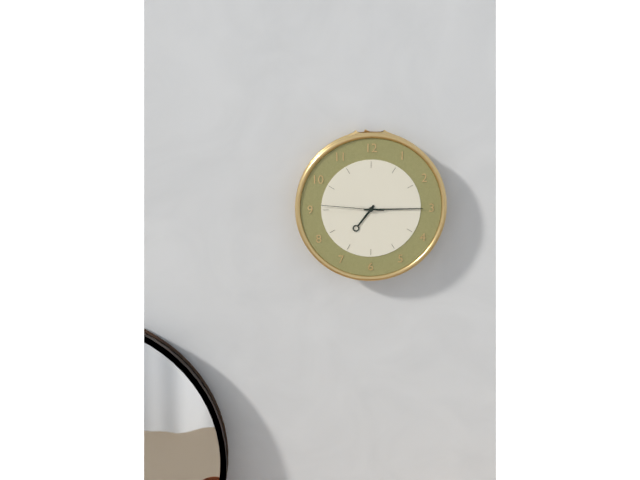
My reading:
h=7 m=15 s=46
